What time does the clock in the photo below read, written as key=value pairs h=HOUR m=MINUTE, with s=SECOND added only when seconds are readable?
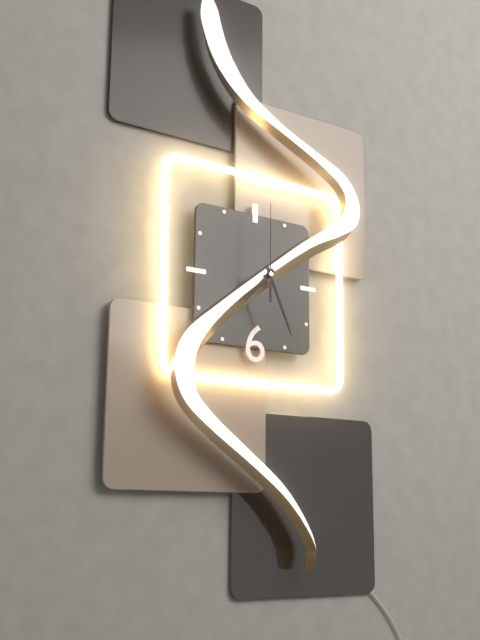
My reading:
h=7 m=26 s=0
